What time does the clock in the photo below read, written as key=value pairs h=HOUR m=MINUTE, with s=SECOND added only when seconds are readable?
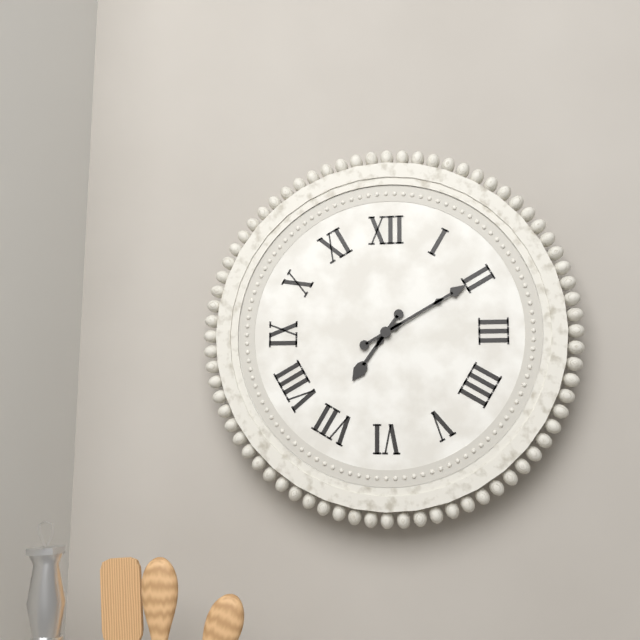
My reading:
h=7 m=10
